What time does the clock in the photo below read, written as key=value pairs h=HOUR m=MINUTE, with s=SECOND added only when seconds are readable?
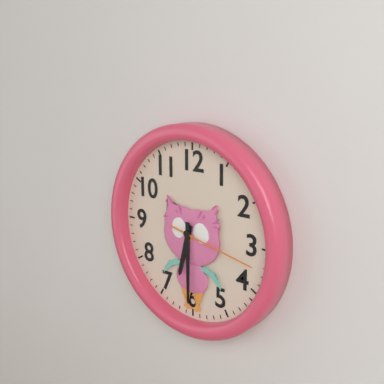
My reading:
h=6 m=30 s=17
